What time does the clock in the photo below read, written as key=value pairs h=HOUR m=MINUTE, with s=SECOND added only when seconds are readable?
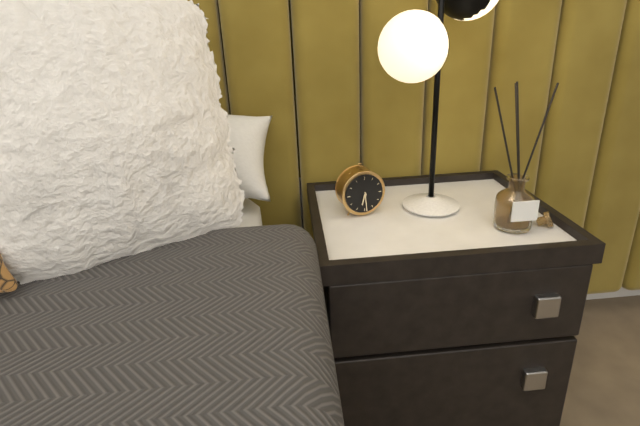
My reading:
h=6 m=29
